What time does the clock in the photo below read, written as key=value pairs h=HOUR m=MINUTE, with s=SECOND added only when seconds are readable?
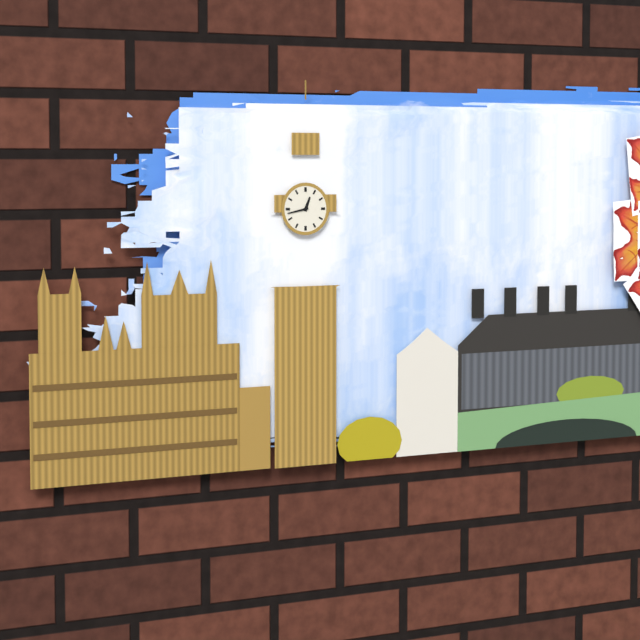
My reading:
h=12 m=43
